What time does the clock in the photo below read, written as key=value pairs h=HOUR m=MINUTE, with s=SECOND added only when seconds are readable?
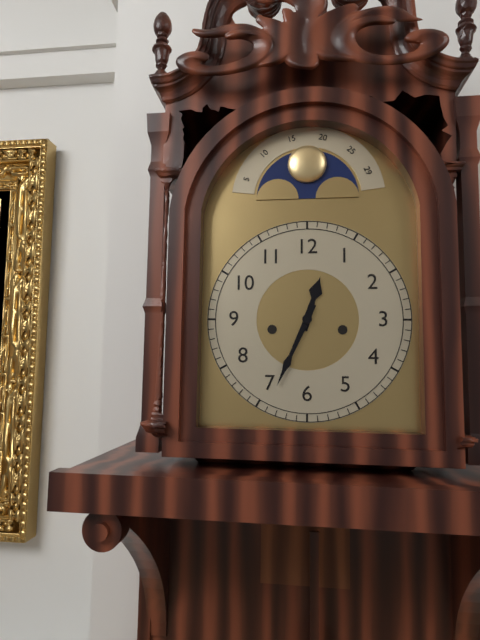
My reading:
h=12 m=34
